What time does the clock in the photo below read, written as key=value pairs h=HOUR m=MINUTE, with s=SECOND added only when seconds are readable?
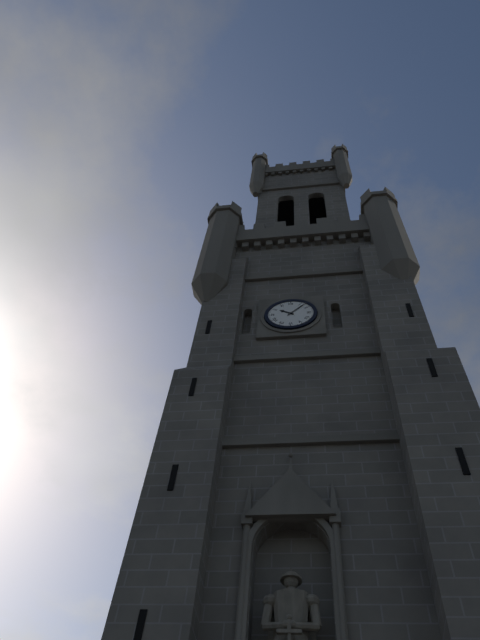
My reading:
h=10 m=7
